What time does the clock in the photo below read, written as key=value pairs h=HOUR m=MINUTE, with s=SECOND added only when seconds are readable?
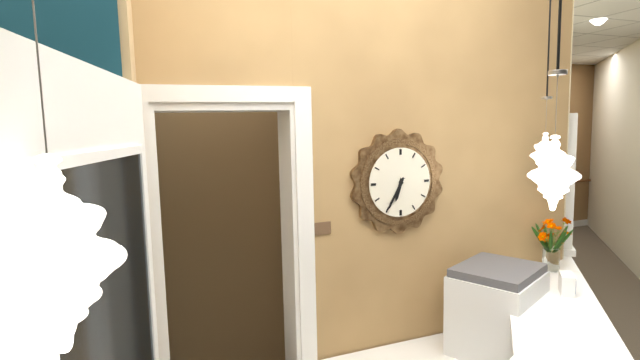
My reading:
h=6 m=35
